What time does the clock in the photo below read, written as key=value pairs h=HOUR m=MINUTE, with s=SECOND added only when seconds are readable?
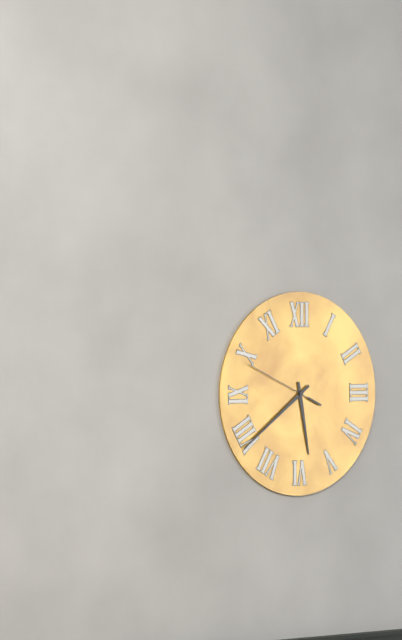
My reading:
h=5 m=39 s=49
